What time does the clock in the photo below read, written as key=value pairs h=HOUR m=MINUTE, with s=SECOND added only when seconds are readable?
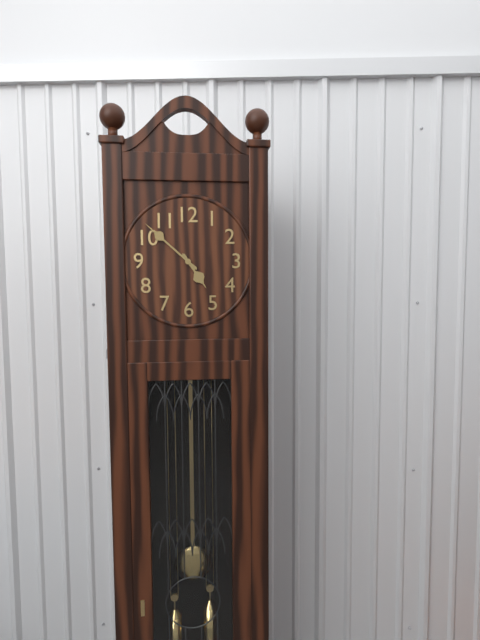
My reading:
h=4 m=52
